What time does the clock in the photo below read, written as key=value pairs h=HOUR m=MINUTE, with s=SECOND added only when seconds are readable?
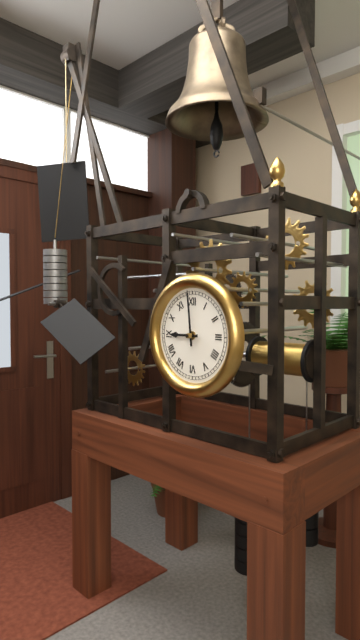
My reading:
h=8 m=59
